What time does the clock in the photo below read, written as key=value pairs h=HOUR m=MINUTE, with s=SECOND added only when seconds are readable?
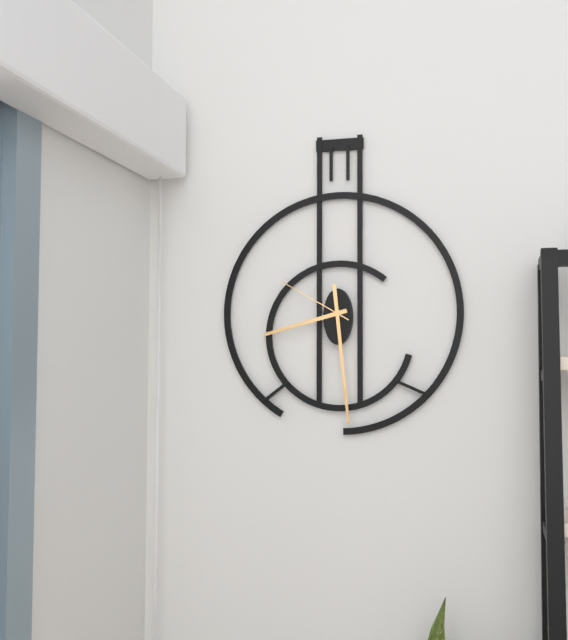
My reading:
h=8 m=29 s=50
